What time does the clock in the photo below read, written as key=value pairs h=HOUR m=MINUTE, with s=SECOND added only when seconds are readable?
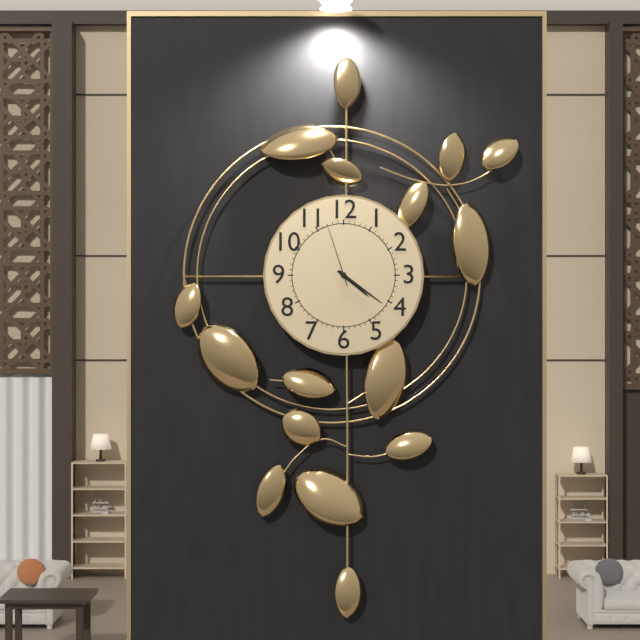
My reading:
h=4 m=21 s=57
